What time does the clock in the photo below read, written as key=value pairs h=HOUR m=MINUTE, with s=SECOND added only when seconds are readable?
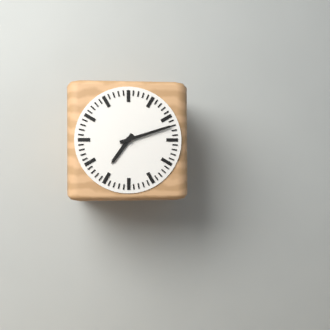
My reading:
h=7 m=12
